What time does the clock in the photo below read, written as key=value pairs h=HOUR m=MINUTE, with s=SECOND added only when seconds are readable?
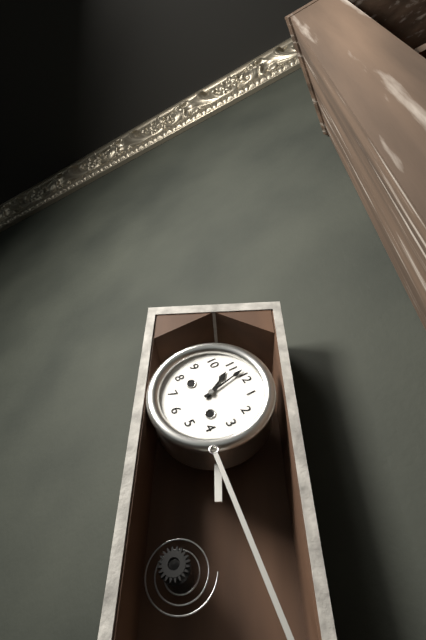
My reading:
h=10 m=58
